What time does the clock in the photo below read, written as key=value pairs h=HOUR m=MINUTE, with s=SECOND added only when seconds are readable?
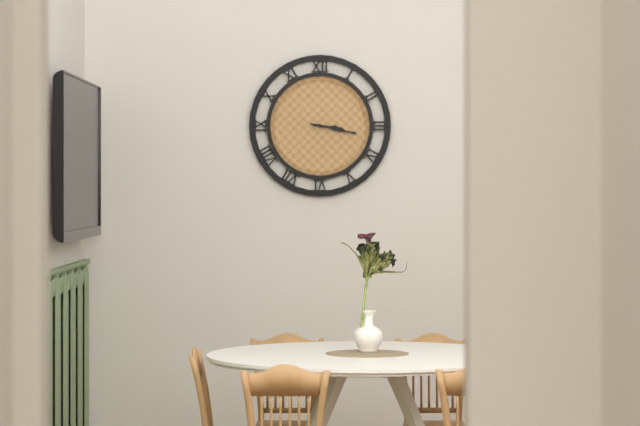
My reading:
h=3 m=17
